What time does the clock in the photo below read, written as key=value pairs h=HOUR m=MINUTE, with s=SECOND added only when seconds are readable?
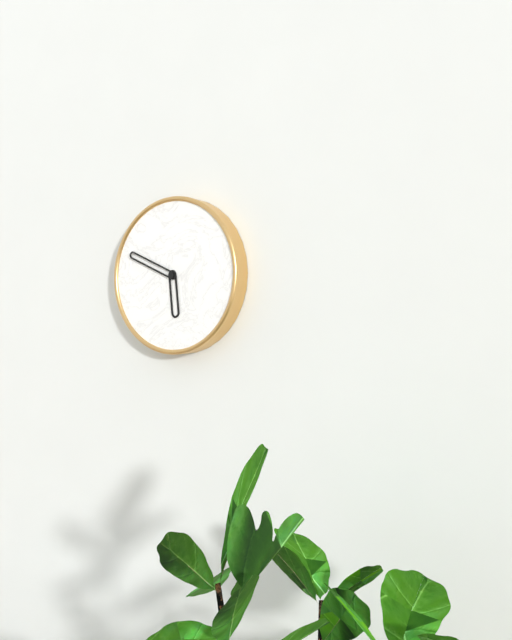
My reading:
h=5 m=49
